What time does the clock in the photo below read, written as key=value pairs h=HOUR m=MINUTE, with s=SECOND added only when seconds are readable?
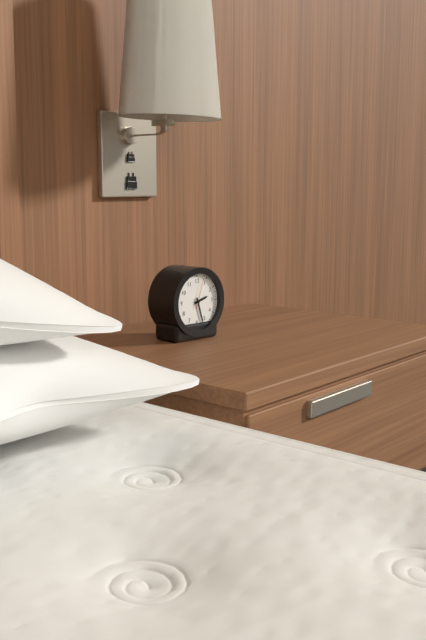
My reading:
h=2 m=27
